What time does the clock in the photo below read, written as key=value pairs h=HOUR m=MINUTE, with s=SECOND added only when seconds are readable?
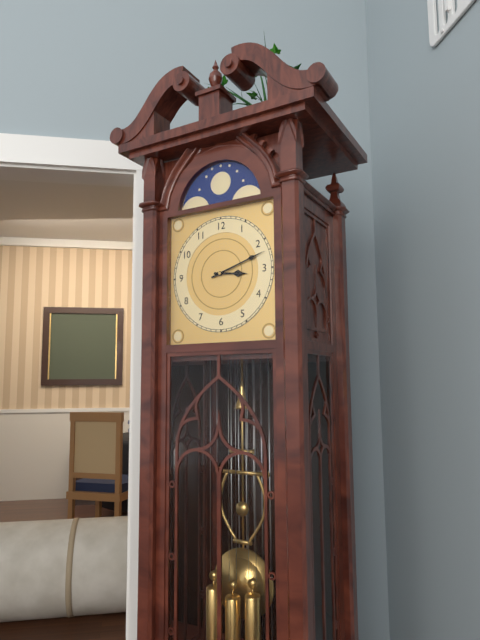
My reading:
h=3 m=12
